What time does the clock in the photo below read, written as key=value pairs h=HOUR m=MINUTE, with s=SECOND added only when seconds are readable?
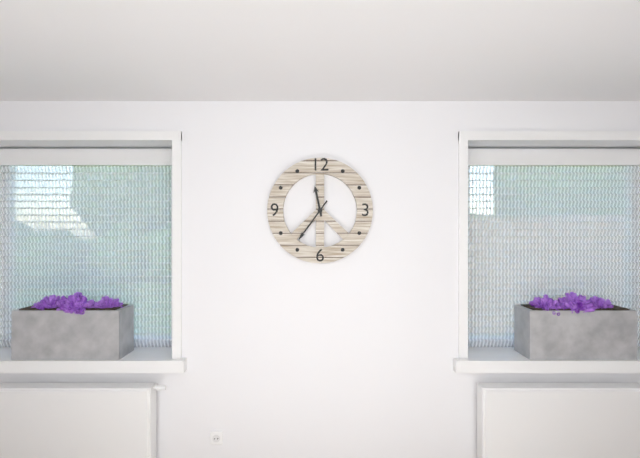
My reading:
h=11 m=36
